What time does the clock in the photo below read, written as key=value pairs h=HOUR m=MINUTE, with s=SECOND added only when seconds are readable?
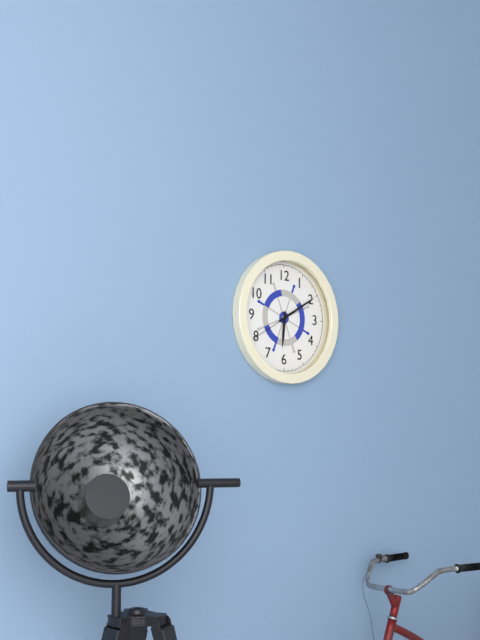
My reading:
h=6 m=10
